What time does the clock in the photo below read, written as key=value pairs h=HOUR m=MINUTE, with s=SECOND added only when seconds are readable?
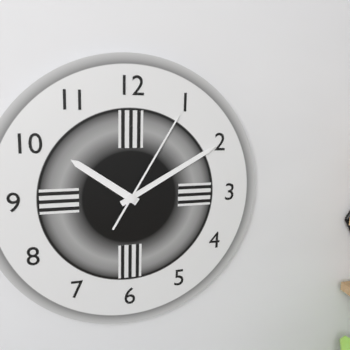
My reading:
h=10 m=10 s=5
